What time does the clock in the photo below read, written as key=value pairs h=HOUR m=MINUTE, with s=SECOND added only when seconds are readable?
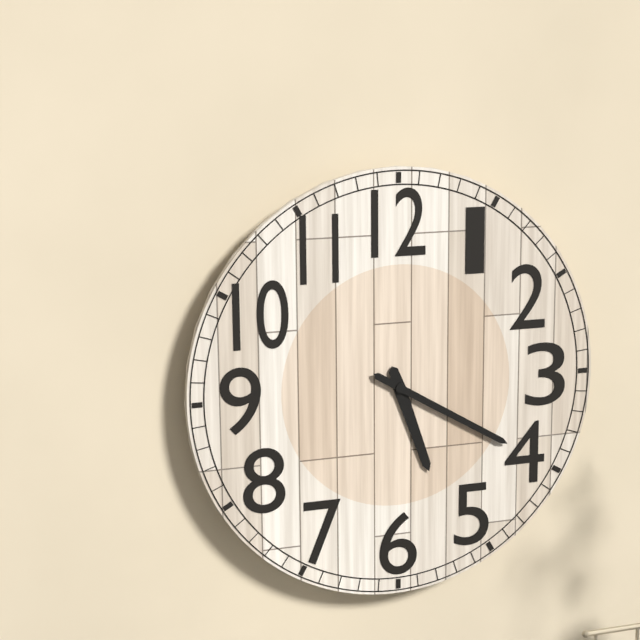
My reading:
h=5 m=20
